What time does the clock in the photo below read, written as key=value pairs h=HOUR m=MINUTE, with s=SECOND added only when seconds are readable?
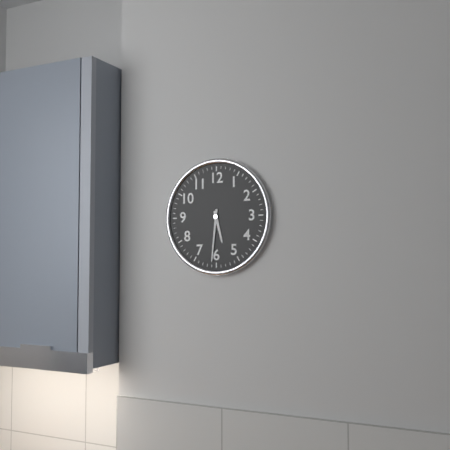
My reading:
h=5 m=31
